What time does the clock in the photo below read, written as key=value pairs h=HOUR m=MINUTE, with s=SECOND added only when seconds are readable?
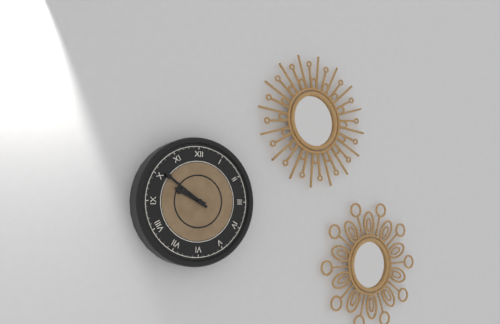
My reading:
h=9 m=51
